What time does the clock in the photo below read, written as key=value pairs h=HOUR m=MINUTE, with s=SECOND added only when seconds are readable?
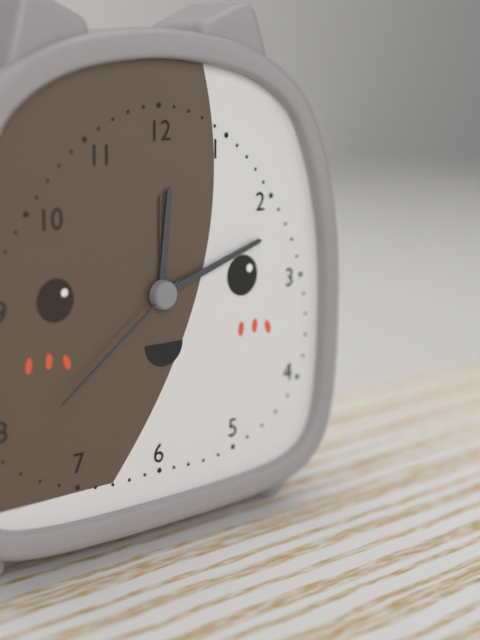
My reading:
h=12 m=12 s=39
